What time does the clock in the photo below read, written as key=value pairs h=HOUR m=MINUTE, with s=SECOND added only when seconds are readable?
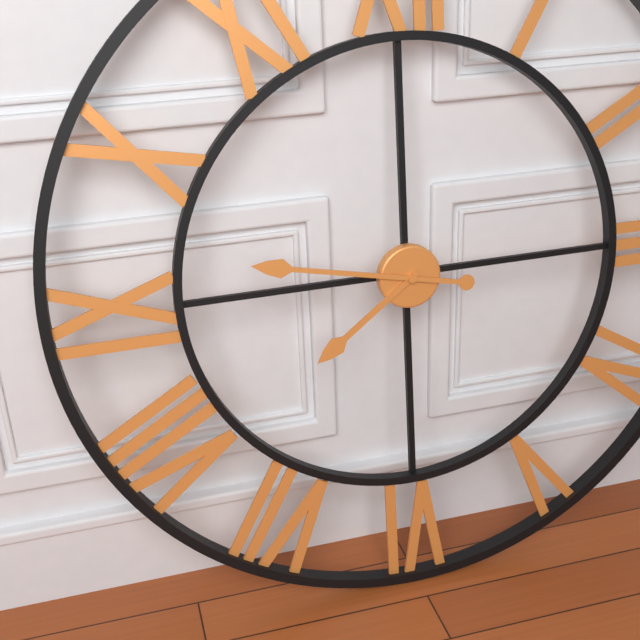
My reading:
h=7 m=47
